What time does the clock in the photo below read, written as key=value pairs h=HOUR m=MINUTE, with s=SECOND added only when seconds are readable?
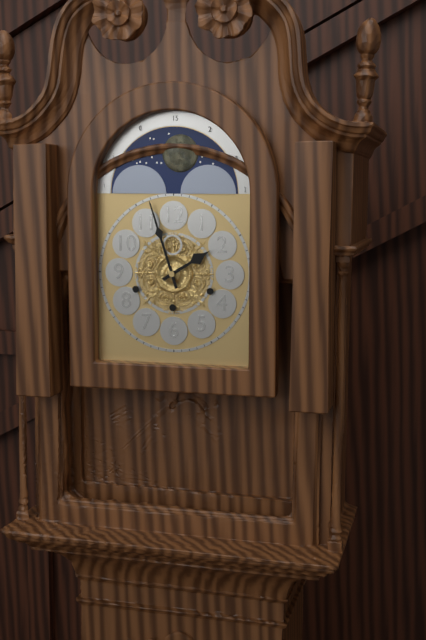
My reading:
h=1 m=57
